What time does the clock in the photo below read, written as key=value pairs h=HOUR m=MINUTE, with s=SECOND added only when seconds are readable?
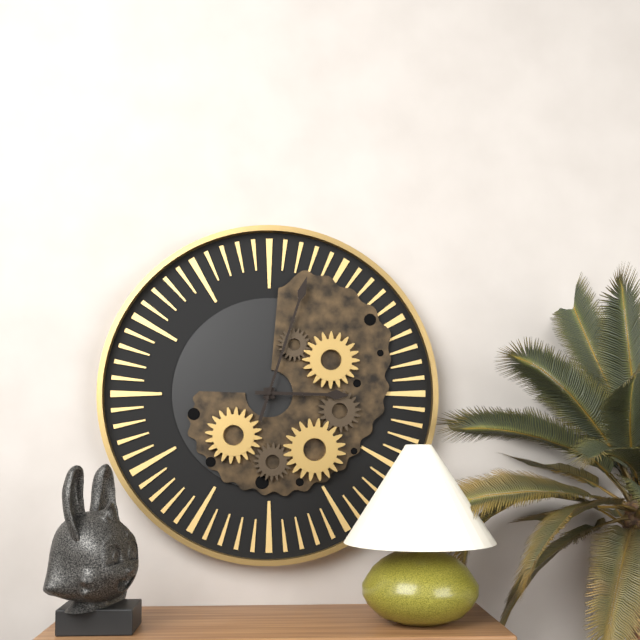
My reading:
h=3 m=3
